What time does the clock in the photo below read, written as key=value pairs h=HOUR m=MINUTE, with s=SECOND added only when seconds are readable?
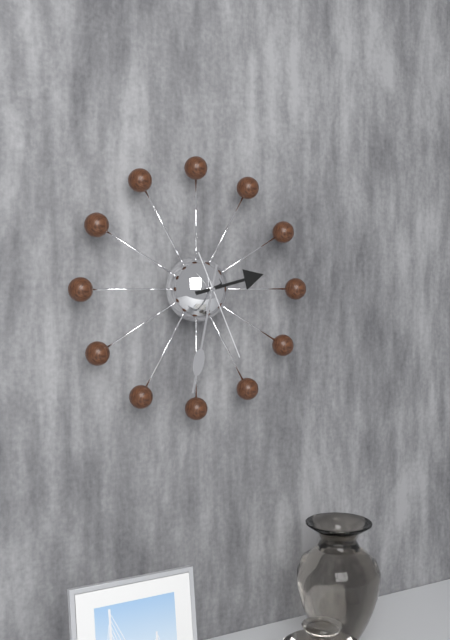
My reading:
h=2 m=32 s=26
